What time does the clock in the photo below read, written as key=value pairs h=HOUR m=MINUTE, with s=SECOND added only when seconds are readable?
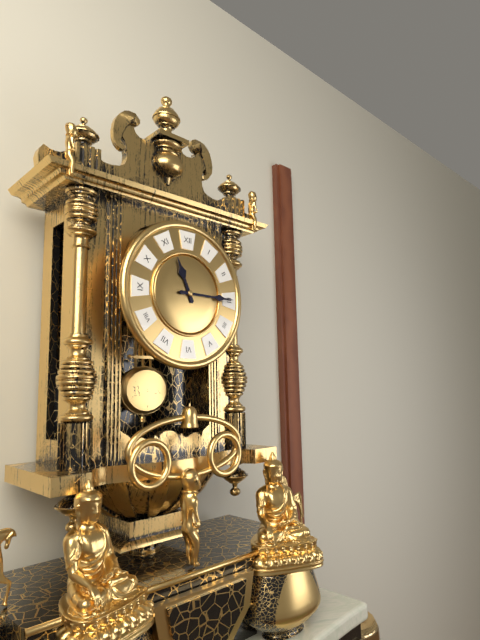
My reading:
h=11 m=15
